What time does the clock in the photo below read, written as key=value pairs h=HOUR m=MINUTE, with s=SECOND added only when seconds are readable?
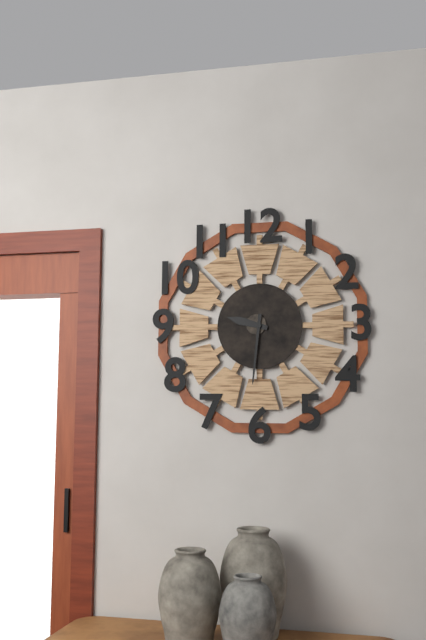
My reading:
h=9 m=31
